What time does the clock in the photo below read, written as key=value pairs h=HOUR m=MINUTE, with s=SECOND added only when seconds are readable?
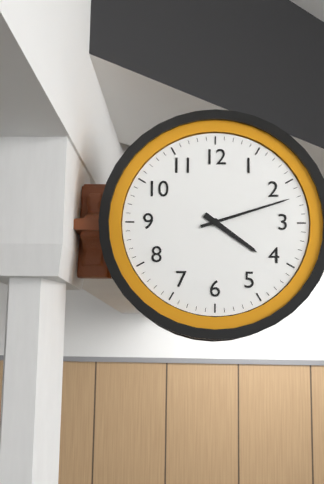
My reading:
h=4 m=12
